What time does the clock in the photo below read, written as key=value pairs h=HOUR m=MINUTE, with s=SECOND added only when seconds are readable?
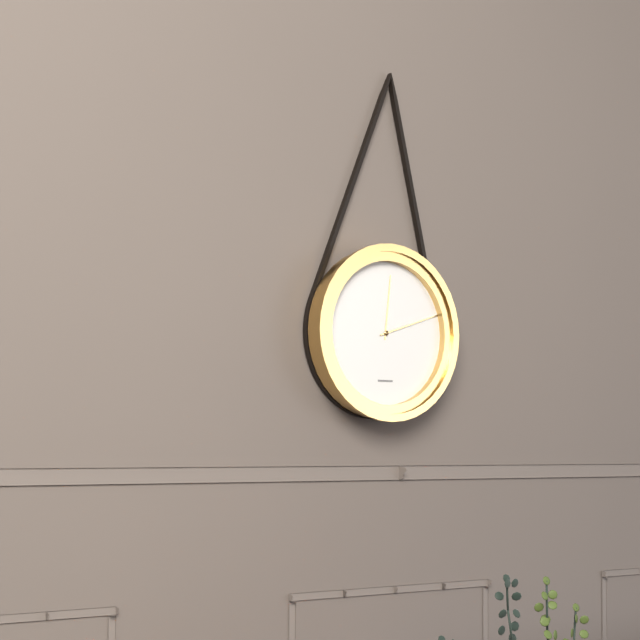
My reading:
h=12 m=12
